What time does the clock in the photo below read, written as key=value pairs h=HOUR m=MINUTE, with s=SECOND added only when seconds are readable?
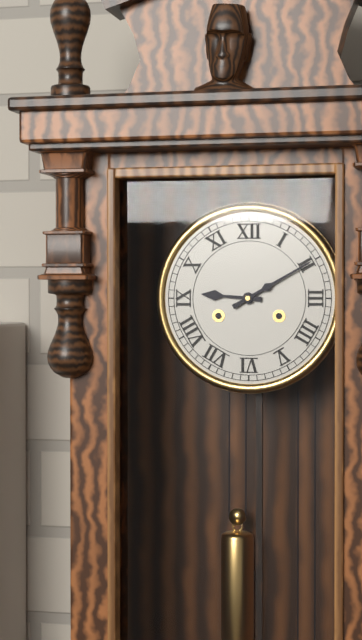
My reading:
h=9 m=10
